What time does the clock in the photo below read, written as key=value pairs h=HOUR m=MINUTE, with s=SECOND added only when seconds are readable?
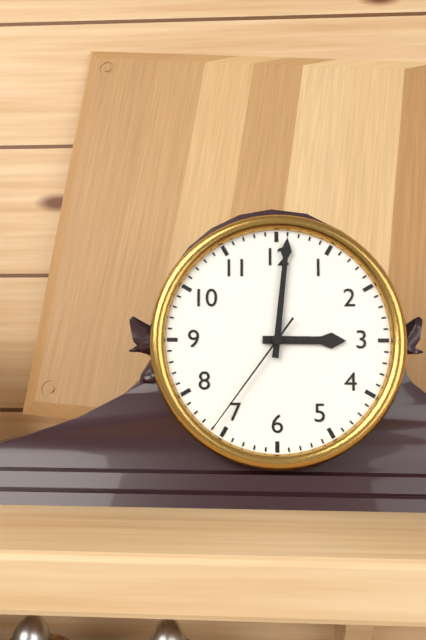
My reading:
h=3 m=1 s=36
